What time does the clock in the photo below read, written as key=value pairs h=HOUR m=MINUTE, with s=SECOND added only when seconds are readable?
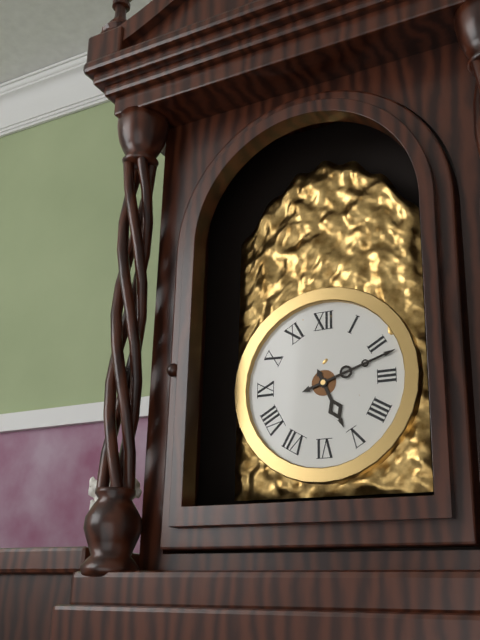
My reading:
h=5 m=12
